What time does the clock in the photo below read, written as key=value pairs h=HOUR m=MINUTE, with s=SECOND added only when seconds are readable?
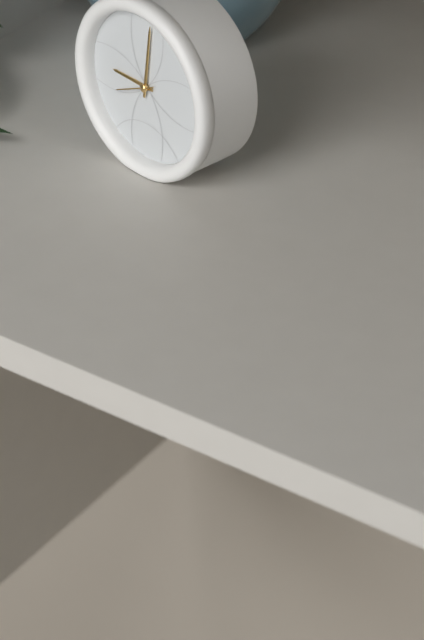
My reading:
h=9 m=1
